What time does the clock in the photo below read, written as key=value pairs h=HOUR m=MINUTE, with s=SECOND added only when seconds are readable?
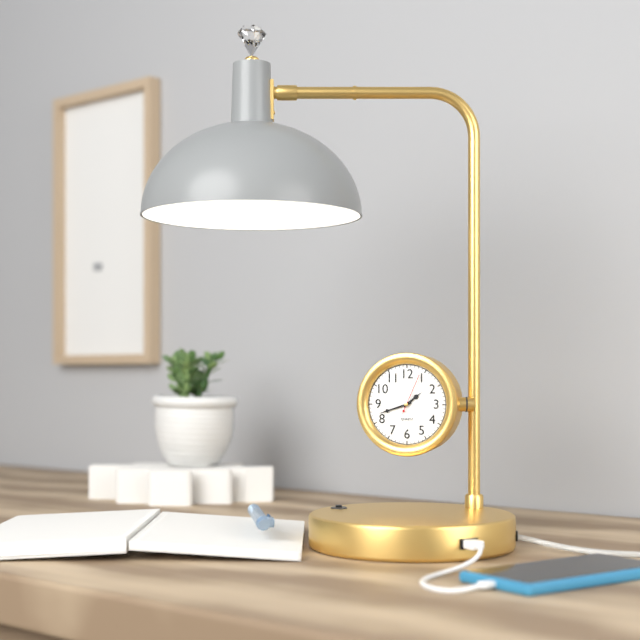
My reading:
h=1 m=42
